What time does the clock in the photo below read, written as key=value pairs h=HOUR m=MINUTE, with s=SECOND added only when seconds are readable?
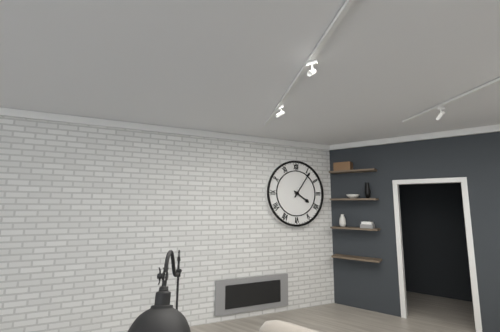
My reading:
h=4 m=6
